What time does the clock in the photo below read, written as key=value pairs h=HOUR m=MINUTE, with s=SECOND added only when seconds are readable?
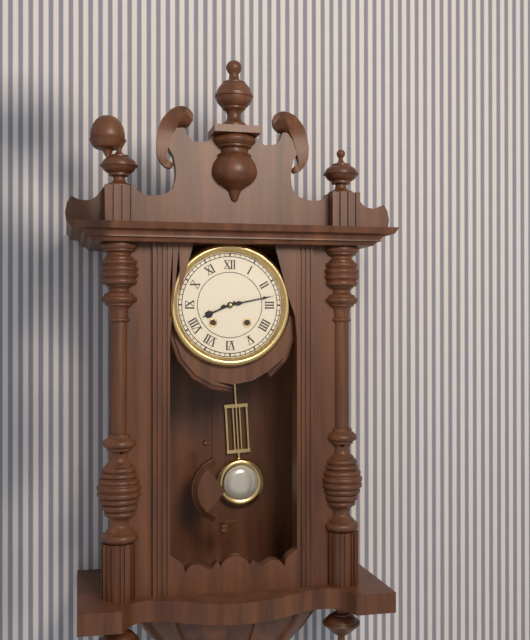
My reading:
h=8 m=13
